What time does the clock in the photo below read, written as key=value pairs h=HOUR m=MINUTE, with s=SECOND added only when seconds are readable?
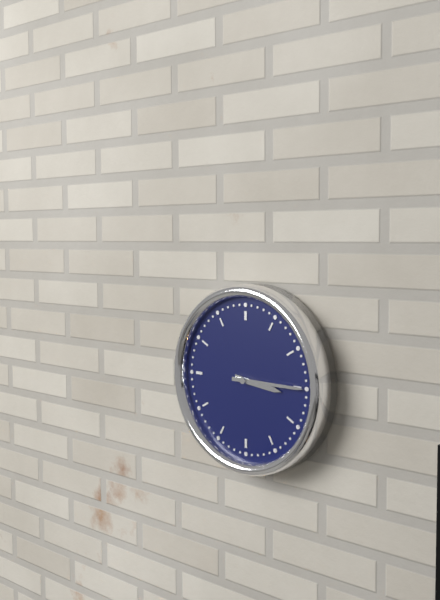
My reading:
h=3 m=15
